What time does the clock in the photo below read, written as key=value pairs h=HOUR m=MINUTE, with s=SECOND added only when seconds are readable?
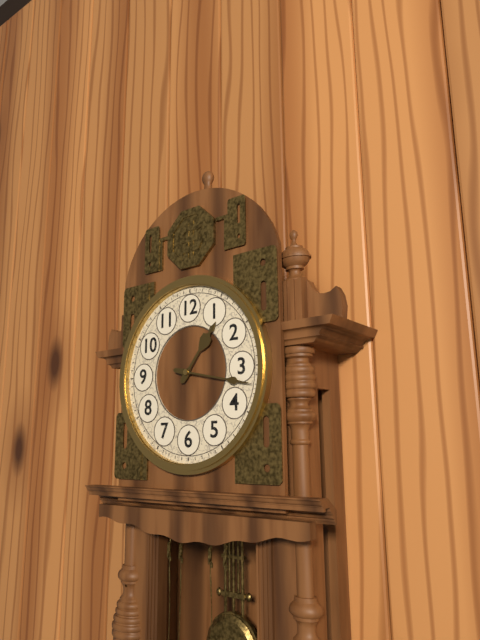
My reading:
h=1 m=17
